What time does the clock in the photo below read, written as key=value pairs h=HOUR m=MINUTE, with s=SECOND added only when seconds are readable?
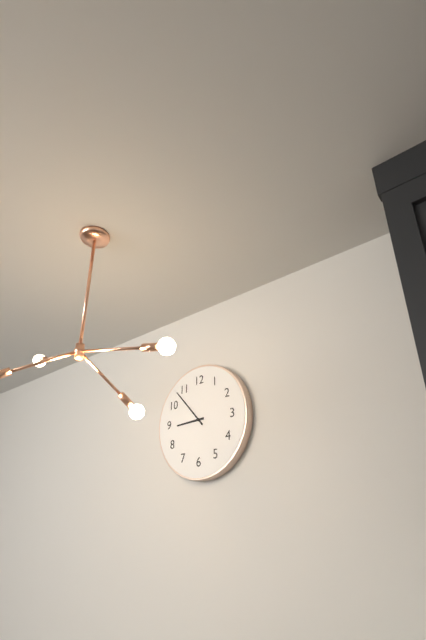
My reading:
h=8 m=53
